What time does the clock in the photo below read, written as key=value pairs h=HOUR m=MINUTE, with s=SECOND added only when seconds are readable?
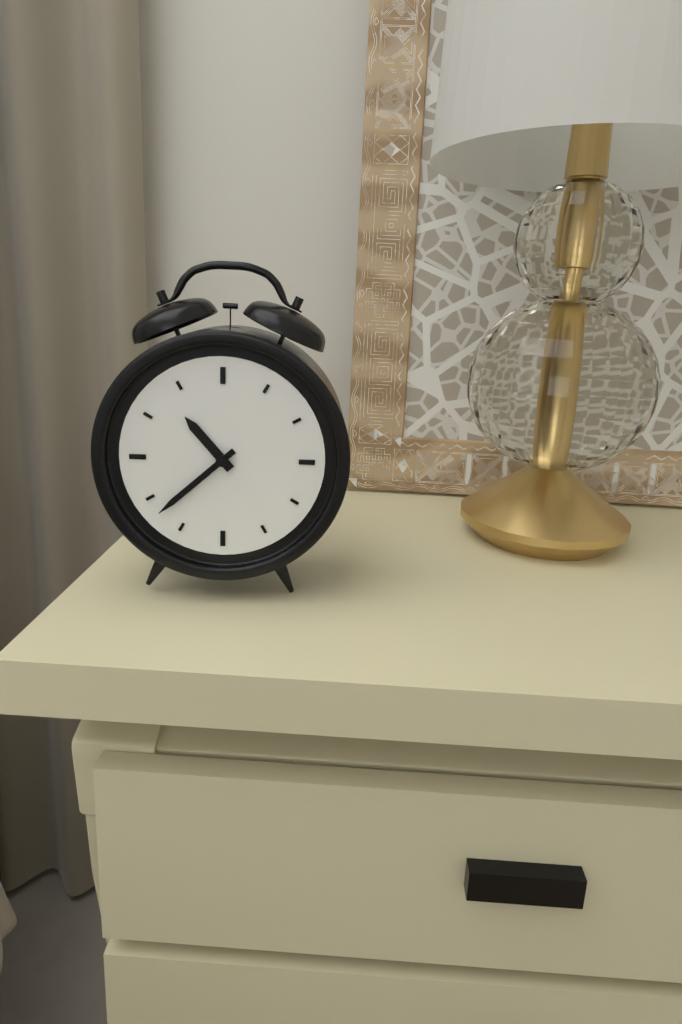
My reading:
h=10 m=38
